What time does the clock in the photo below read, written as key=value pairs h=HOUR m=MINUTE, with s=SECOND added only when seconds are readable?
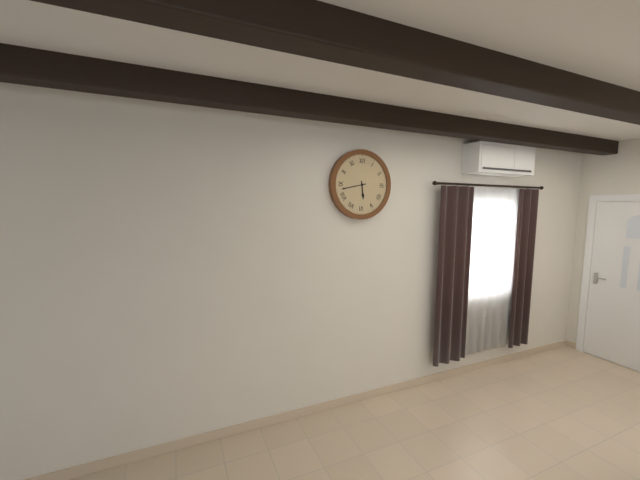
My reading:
h=5 m=43
